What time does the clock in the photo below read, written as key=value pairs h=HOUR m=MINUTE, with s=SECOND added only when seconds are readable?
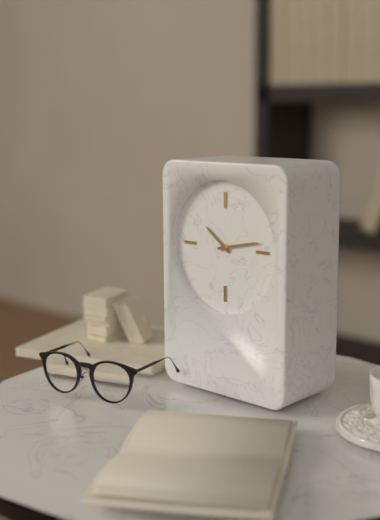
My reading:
h=10 m=13
